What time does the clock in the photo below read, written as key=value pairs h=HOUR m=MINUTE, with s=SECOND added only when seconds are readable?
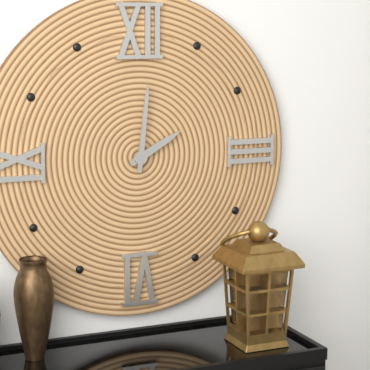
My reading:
h=2 m=1
